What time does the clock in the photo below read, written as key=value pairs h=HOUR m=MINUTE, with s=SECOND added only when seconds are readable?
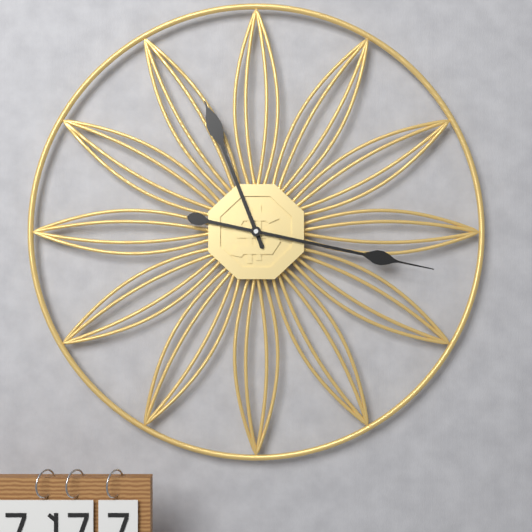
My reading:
h=11 m=17
